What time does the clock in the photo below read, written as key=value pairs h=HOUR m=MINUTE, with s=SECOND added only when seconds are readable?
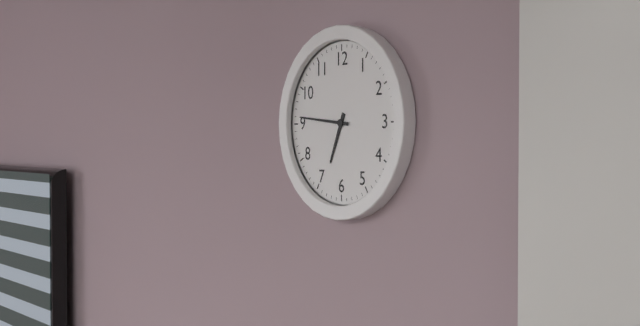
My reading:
h=6 m=46
